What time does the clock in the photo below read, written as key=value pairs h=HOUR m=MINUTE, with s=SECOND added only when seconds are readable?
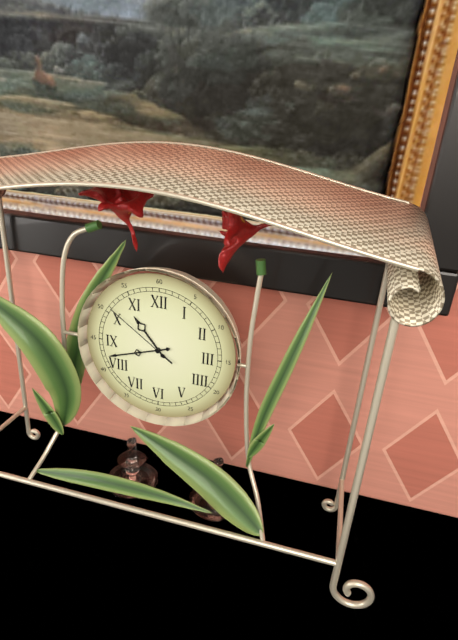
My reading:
h=10 m=42 s=51
